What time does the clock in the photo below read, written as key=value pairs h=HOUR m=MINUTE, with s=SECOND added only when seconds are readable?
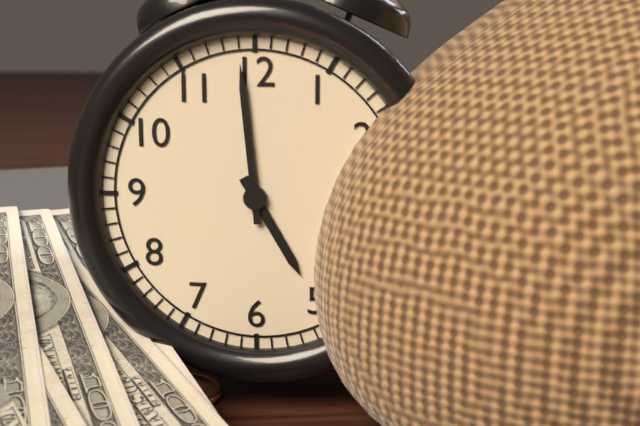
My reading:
h=4 m=59
